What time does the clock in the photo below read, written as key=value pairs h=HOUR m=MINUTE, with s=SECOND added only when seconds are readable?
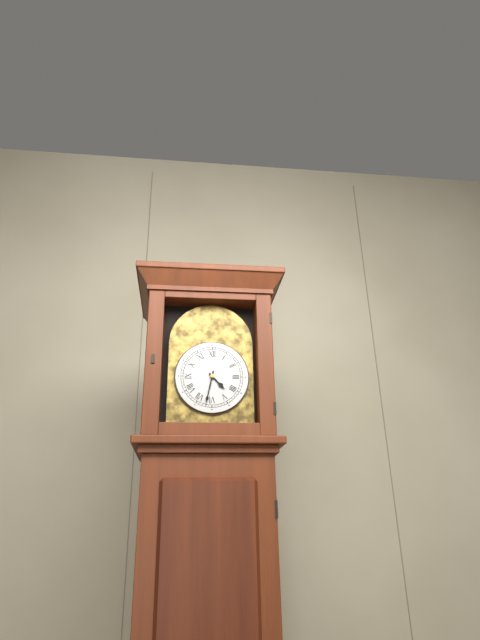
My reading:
h=4 m=32
